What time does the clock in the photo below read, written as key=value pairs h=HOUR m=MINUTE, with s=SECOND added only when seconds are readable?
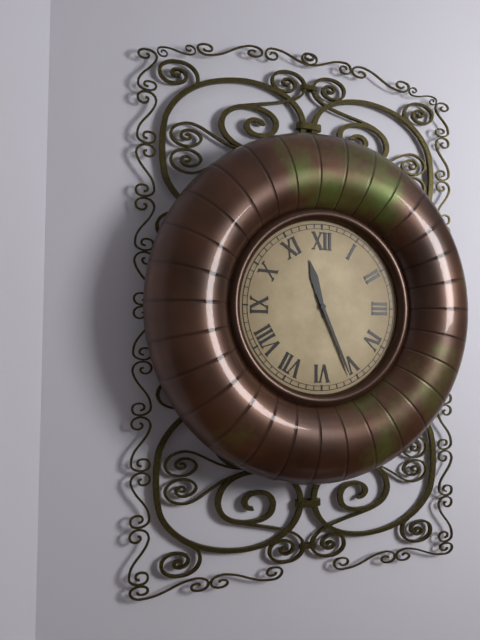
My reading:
h=11 m=26
